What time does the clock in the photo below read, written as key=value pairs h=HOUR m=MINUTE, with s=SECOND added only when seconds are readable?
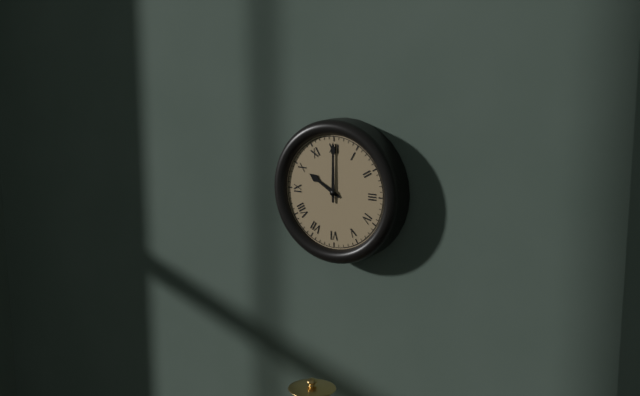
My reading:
h=10 m=0
